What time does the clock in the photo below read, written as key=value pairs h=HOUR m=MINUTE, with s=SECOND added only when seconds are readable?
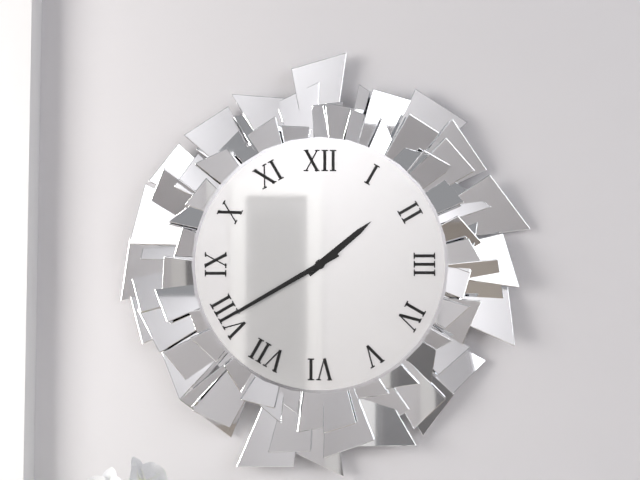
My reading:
h=1 m=40
